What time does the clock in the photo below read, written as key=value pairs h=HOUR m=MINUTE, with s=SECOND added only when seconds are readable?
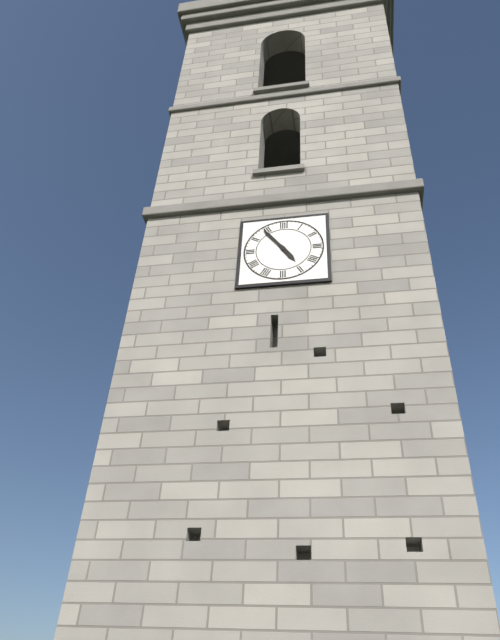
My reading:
h=4 m=54
